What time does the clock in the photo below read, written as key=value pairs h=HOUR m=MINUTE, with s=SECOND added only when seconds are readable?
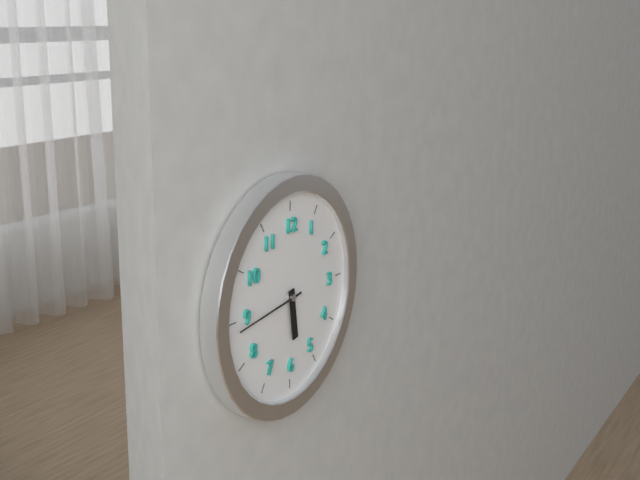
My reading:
h=5 m=44
